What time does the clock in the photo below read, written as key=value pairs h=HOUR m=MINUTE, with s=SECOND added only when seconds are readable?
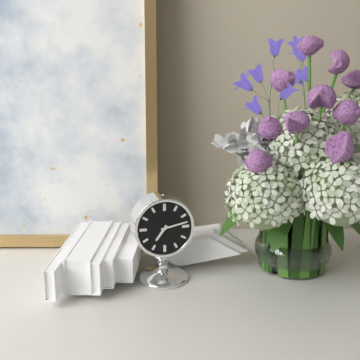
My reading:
h=7 m=13
